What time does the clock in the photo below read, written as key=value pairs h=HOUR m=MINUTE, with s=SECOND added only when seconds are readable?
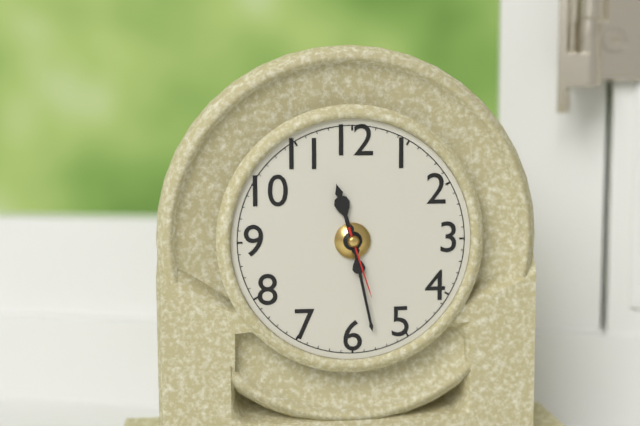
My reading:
h=11 m=28 s=27
